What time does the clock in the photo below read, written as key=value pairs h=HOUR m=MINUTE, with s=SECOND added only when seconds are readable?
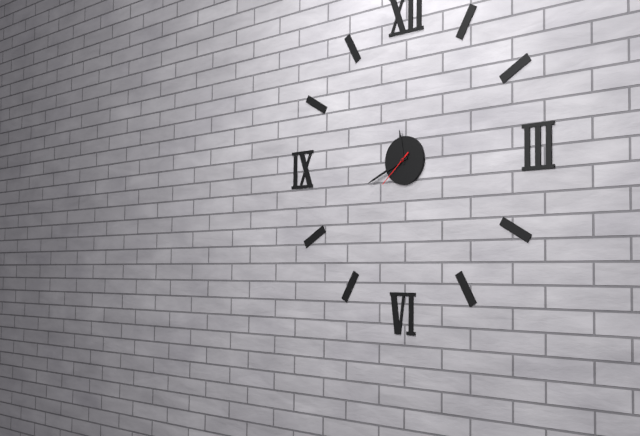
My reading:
h=11 m=41
